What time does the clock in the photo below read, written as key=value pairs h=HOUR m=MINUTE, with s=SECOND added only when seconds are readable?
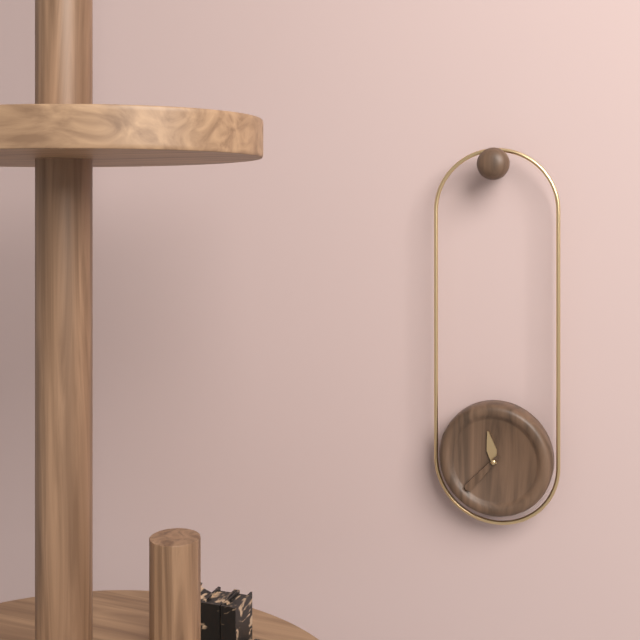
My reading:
h=11 m=37
